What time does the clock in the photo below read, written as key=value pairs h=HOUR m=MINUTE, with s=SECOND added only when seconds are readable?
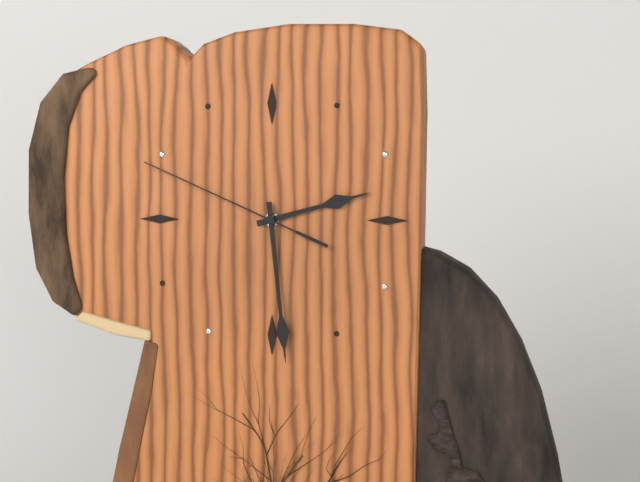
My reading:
h=2 m=29 s=49
